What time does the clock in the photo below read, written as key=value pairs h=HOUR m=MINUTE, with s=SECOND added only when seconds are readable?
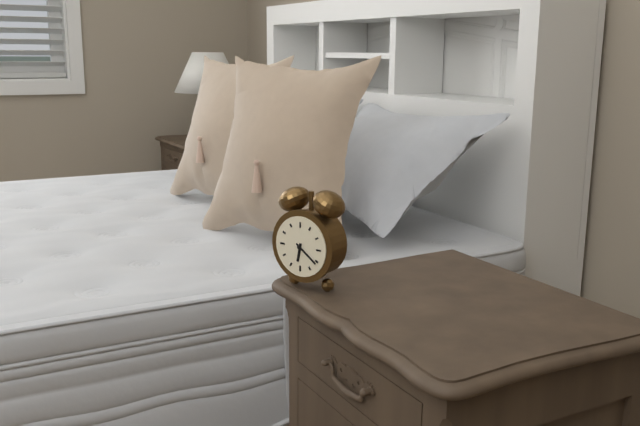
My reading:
h=6 m=21
